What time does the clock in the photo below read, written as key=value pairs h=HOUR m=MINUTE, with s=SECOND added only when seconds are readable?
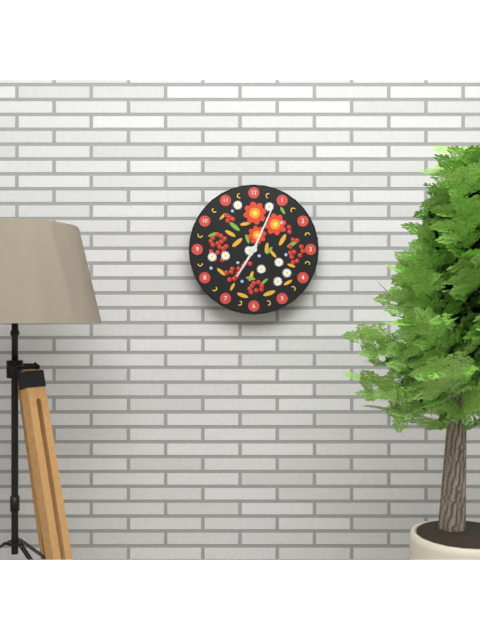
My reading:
h=7 m=4
